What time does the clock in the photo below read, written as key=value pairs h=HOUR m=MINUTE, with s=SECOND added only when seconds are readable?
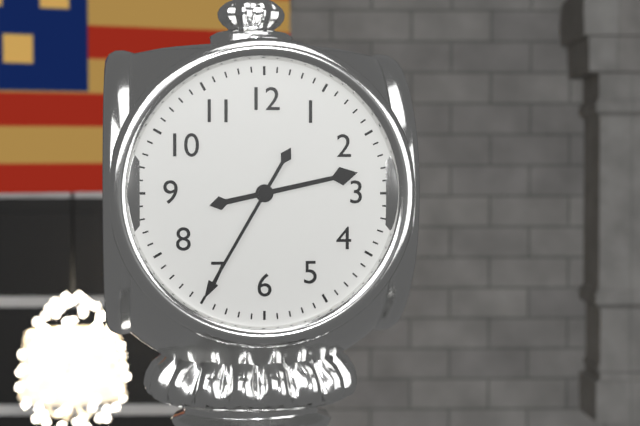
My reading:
h=2 m=35
